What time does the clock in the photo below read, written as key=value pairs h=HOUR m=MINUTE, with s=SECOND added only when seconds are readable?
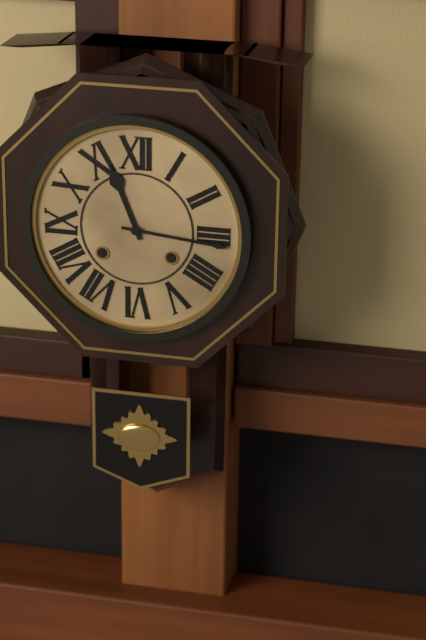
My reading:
h=11 m=16
